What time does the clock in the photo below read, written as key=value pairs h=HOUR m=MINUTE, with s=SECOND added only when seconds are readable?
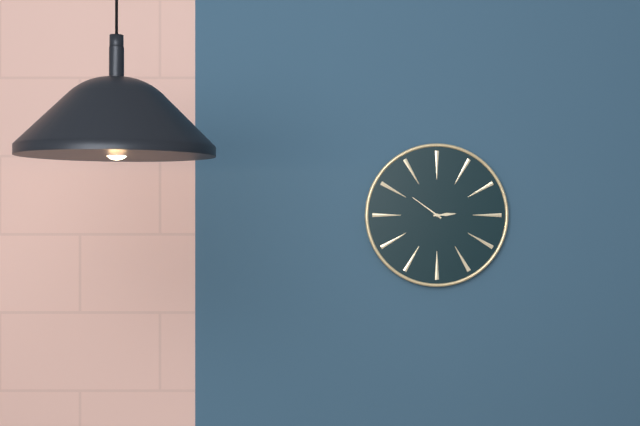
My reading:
h=2 m=51
